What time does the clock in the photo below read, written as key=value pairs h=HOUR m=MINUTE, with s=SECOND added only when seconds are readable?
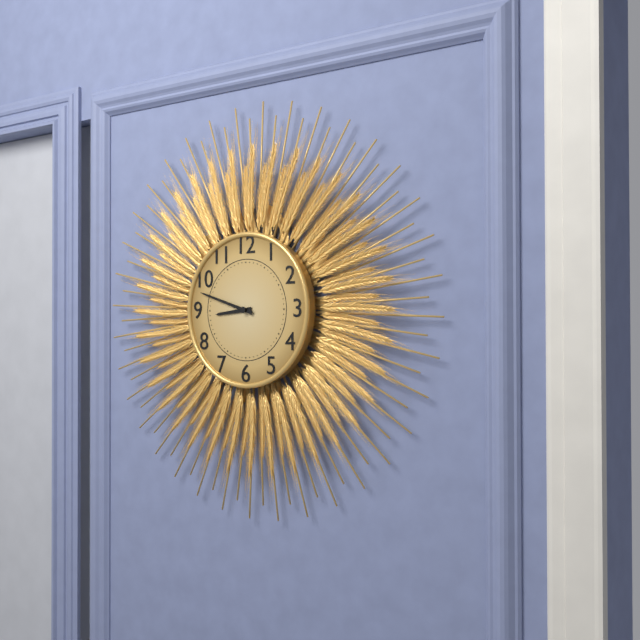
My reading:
h=8 m=48
